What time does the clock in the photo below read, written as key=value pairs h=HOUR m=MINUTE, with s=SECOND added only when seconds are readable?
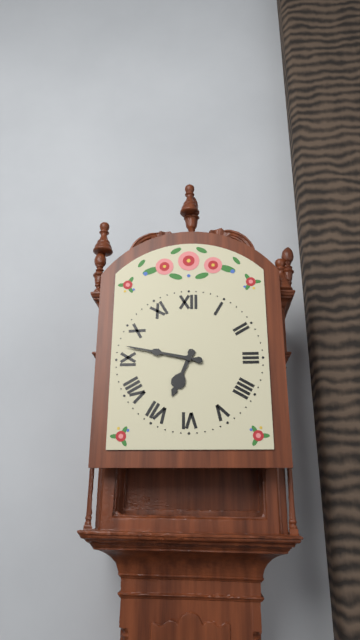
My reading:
h=6 m=47
